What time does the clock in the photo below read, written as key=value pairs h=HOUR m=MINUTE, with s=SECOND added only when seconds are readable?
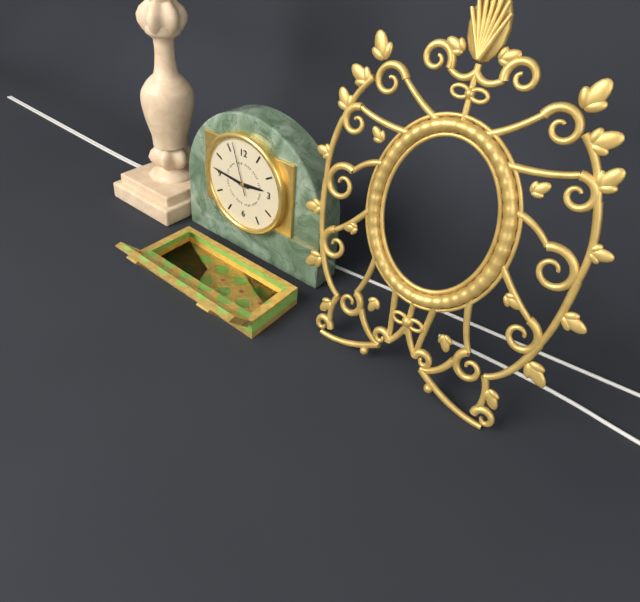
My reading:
h=2 m=46 s=57
